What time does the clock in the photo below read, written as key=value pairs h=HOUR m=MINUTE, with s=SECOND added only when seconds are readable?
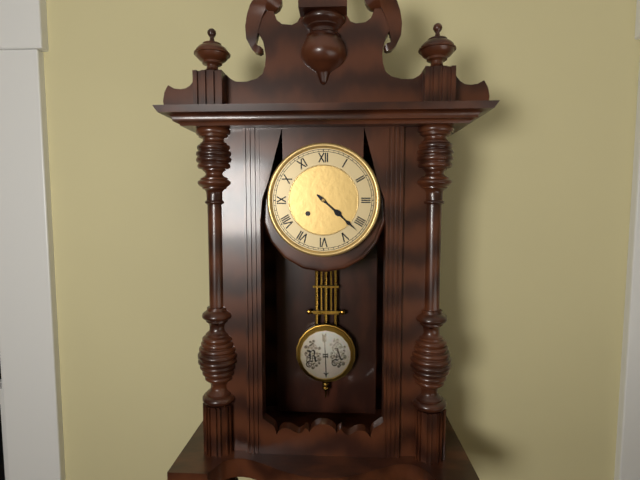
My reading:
h=4 m=22
